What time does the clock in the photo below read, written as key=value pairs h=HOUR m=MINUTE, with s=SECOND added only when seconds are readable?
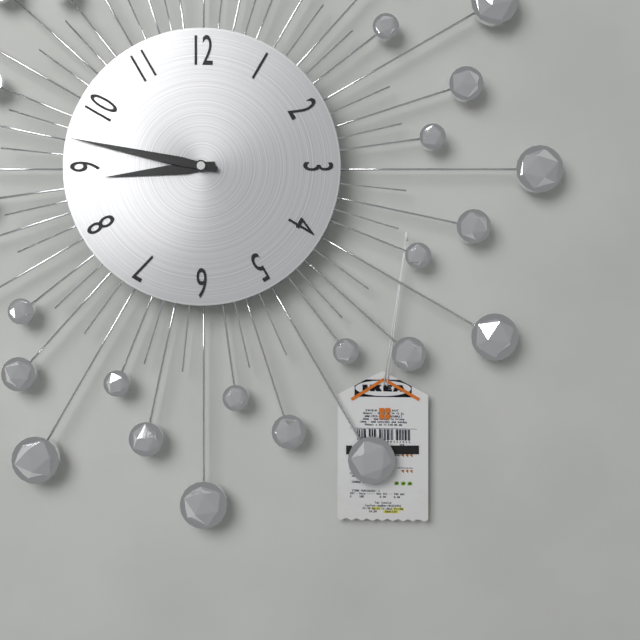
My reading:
h=8 m=47
